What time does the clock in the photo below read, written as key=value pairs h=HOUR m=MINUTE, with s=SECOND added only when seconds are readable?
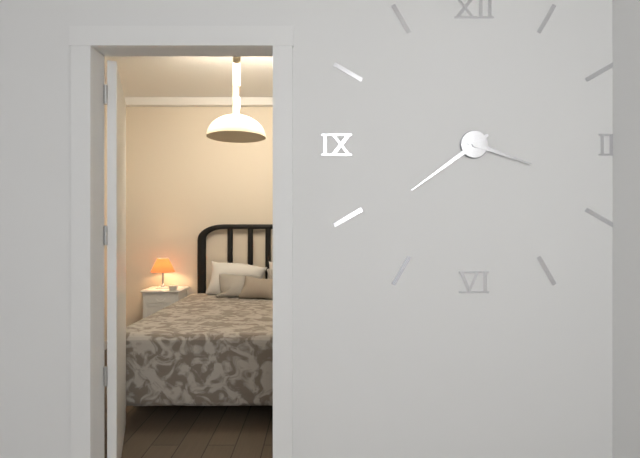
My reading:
h=3 m=39
